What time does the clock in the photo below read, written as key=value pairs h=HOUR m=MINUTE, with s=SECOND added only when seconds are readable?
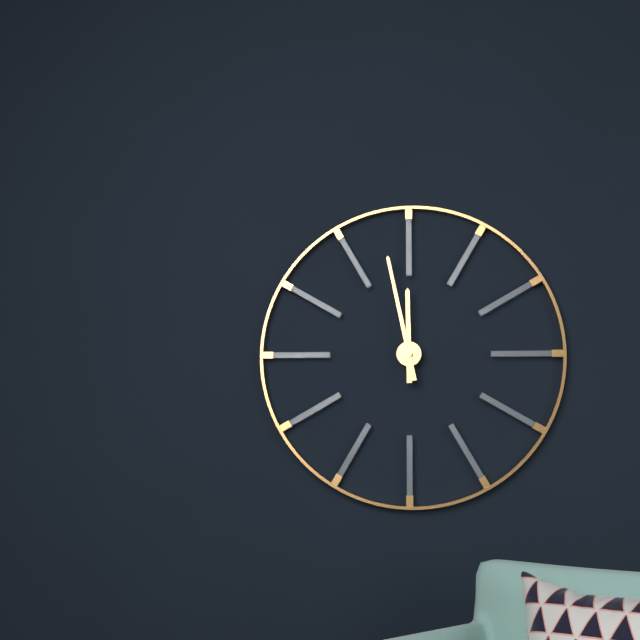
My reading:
h=11 m=58
